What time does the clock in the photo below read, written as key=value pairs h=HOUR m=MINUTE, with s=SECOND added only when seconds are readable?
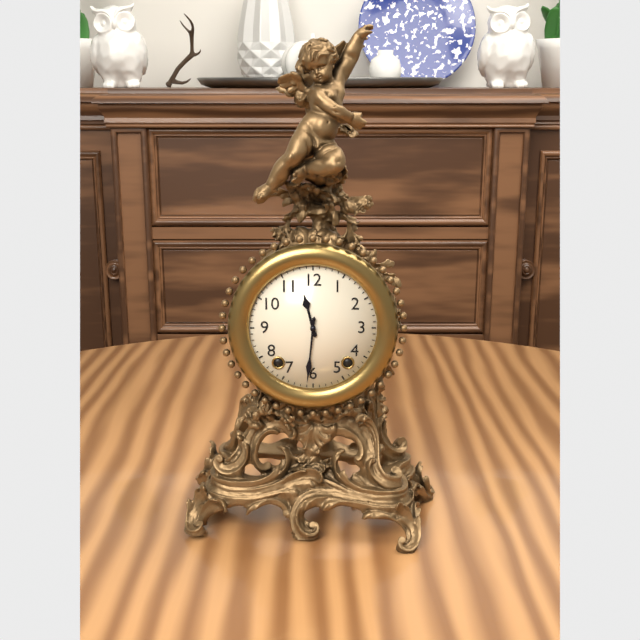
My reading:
h=11 m=31
